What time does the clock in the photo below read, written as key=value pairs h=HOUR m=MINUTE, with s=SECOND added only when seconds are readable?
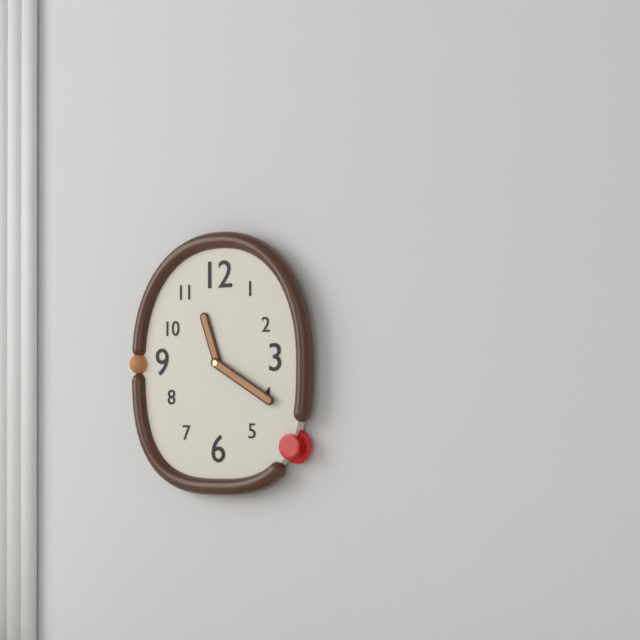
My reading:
h=11 m=20
